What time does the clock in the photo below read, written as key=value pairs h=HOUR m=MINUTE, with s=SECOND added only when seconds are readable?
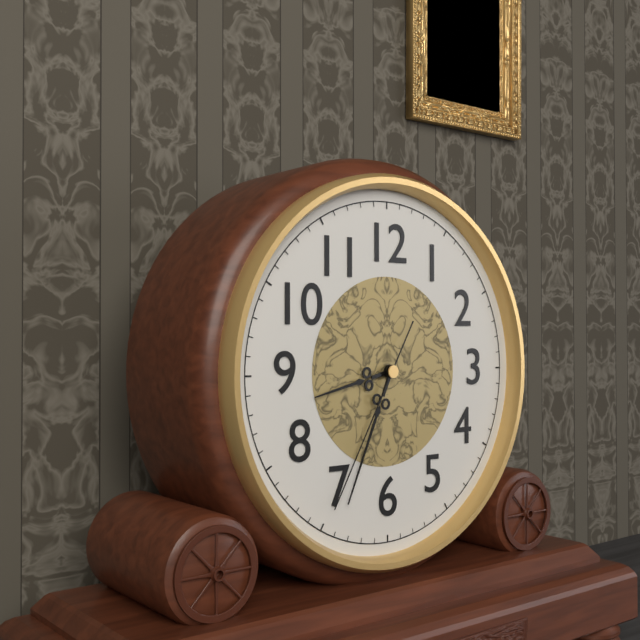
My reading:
h=8 m=34 s=35
